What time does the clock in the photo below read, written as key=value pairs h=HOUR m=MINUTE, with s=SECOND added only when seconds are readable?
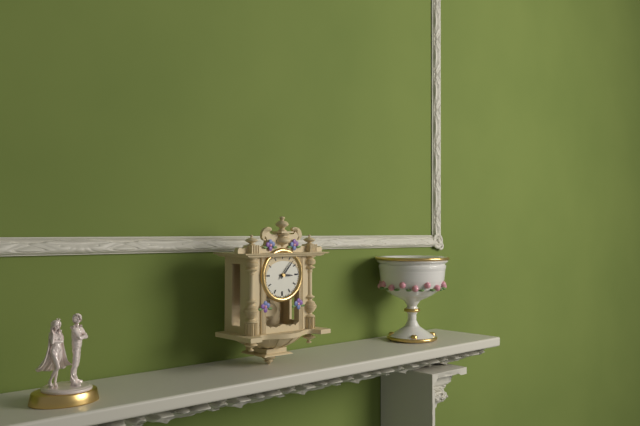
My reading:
h=3 m=7
